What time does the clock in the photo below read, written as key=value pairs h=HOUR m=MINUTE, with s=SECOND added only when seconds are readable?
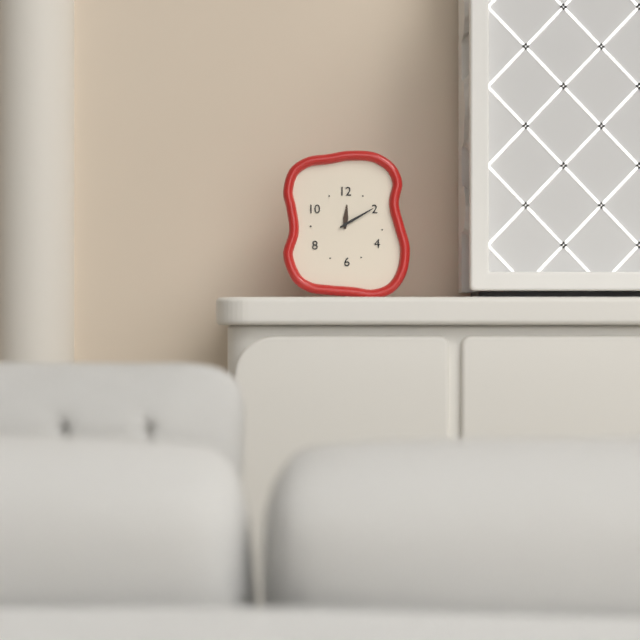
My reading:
h=12 m=10
